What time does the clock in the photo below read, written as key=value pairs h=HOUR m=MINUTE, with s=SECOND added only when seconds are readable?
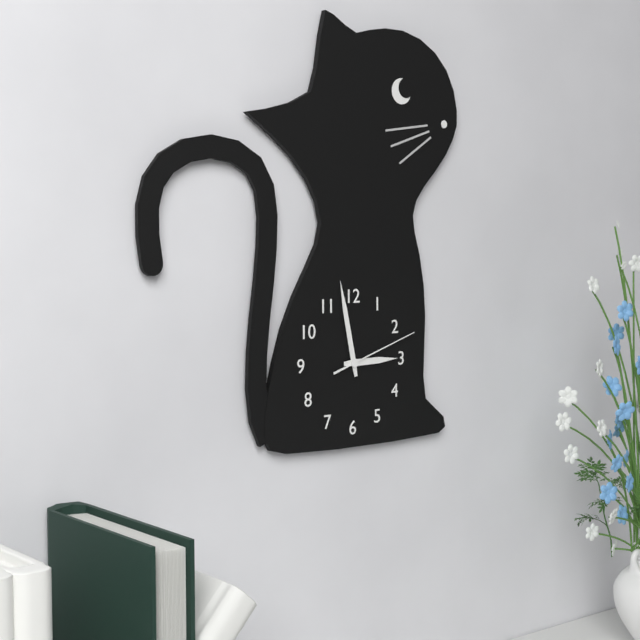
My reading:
h=2 m=58 s=12
